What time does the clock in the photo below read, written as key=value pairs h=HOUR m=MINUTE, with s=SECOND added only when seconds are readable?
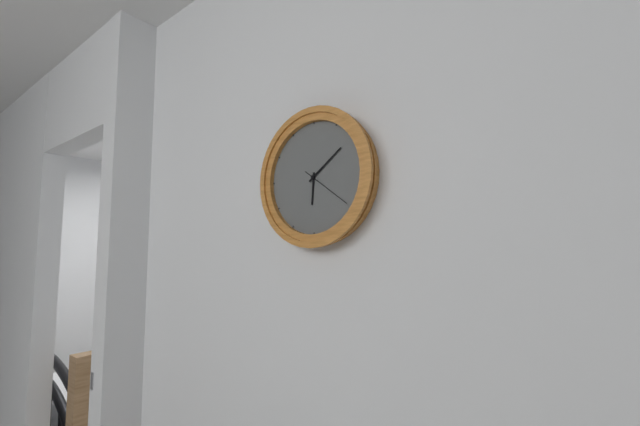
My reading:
h=6 m=9 s=21
